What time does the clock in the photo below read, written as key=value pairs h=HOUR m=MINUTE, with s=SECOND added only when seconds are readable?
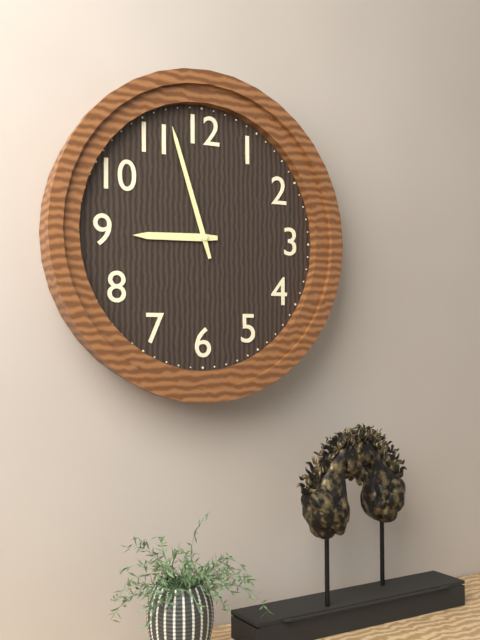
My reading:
h=8 m=57
